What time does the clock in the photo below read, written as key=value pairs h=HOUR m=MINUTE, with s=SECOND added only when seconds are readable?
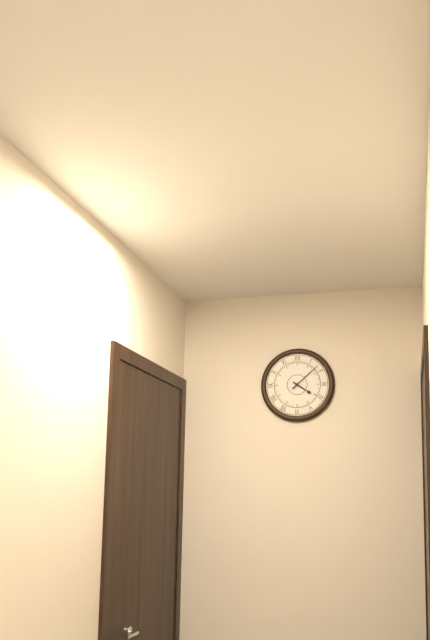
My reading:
h=4 m=8
